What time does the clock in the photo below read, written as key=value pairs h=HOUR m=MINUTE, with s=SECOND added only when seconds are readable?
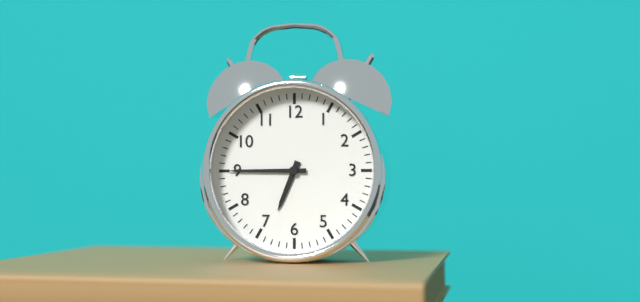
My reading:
h=6 m=45
